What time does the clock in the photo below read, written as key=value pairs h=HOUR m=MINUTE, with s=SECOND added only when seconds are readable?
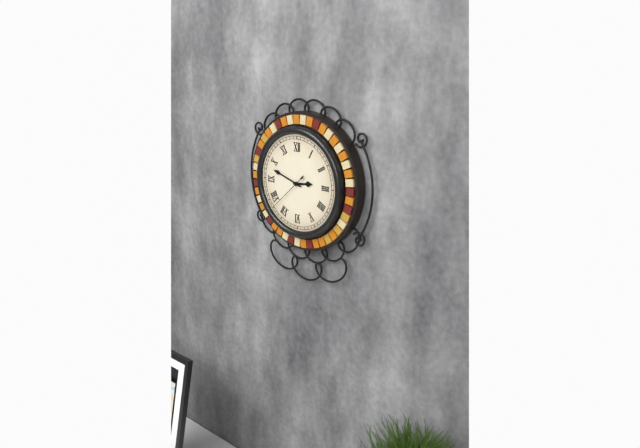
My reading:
h=2 m=48 s=38
